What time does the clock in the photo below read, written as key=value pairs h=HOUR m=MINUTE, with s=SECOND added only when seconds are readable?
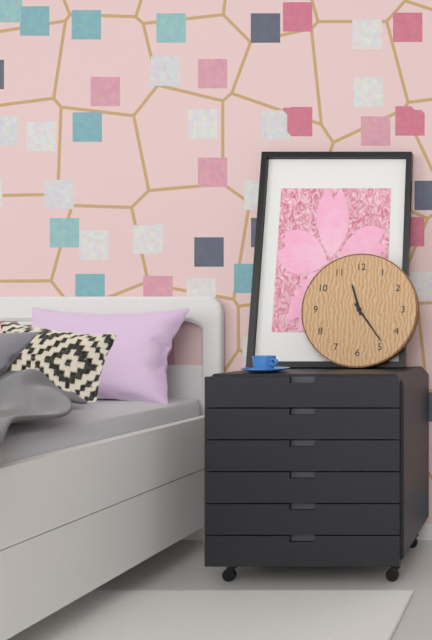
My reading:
h=11 m=24
